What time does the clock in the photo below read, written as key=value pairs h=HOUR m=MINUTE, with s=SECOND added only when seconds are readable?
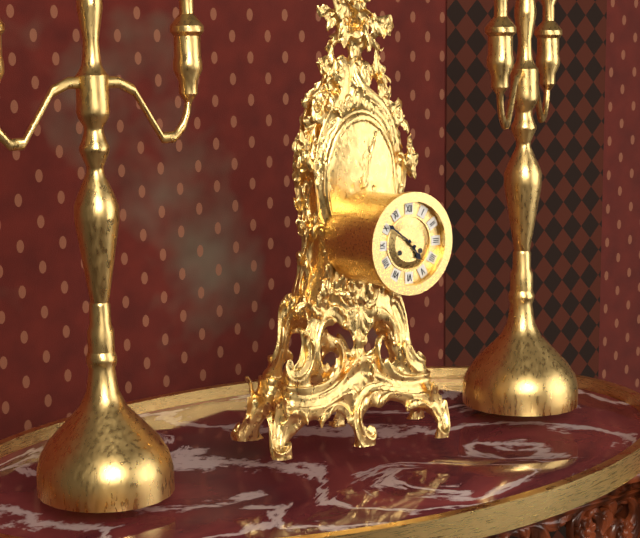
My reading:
h=4 m=51
